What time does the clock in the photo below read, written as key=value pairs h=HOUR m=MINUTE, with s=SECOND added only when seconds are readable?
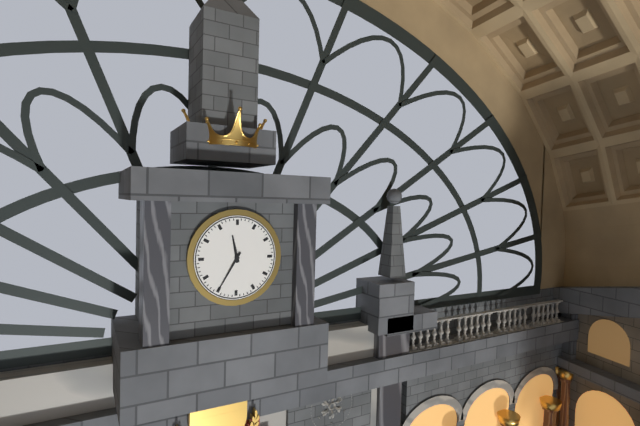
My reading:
h=11 m=35
